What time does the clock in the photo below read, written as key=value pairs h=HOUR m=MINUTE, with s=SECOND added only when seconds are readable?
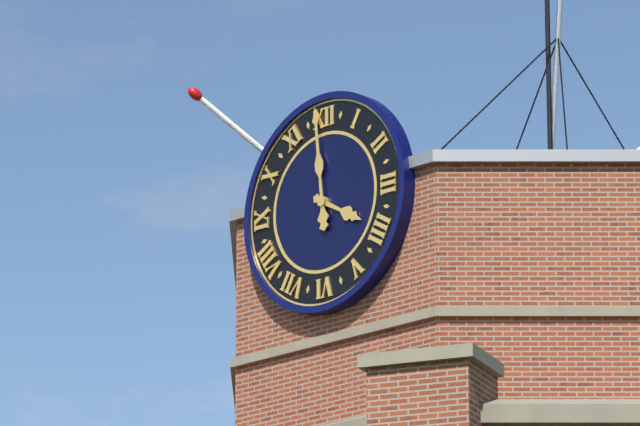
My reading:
h=3 m=59
